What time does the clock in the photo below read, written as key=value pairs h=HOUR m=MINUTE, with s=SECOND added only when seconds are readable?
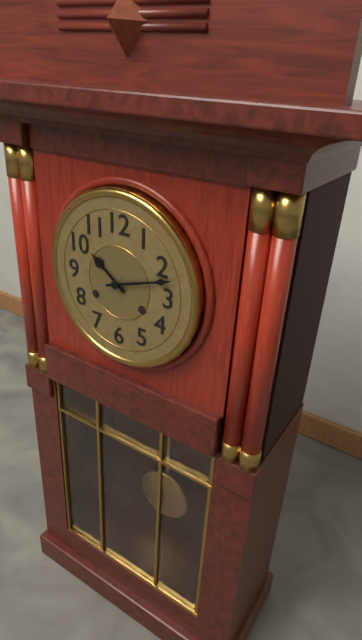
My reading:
h=10 m=12
